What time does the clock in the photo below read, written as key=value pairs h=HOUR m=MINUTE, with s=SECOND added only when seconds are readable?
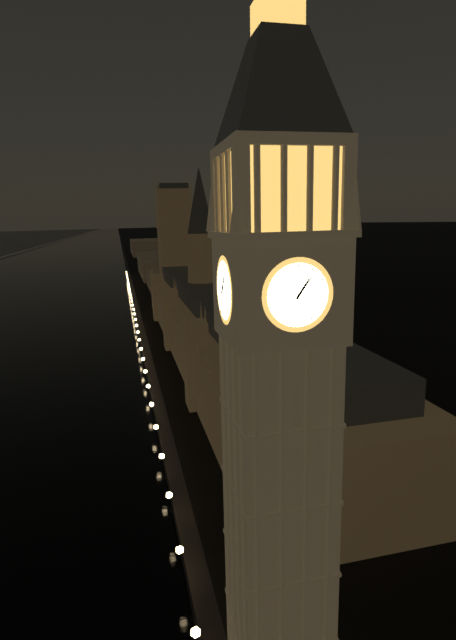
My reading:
h=1 m=6
